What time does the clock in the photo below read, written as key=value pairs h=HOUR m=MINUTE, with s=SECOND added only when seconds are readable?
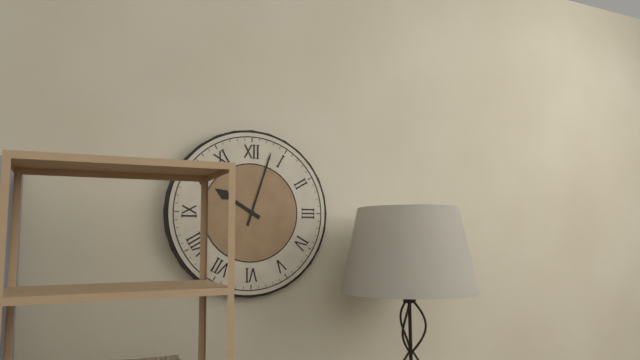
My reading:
h=10 m=3
